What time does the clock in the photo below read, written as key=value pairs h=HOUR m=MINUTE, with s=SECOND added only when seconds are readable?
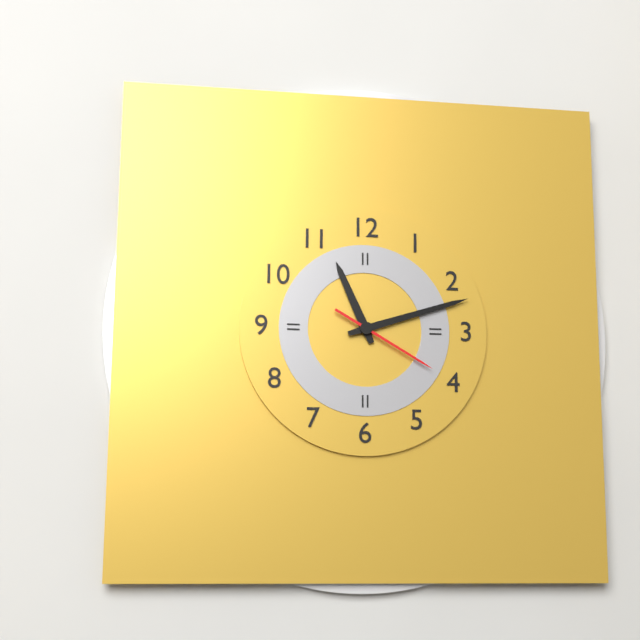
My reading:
h=11 m=12 s=20
